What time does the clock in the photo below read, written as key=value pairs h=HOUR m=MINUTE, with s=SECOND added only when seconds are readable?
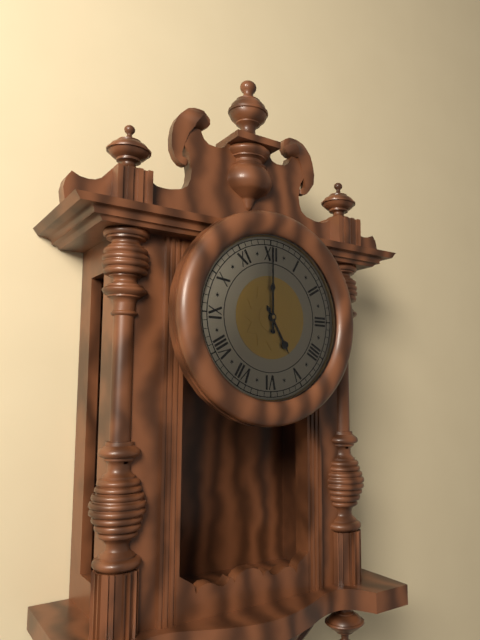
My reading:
h=5 m=0
